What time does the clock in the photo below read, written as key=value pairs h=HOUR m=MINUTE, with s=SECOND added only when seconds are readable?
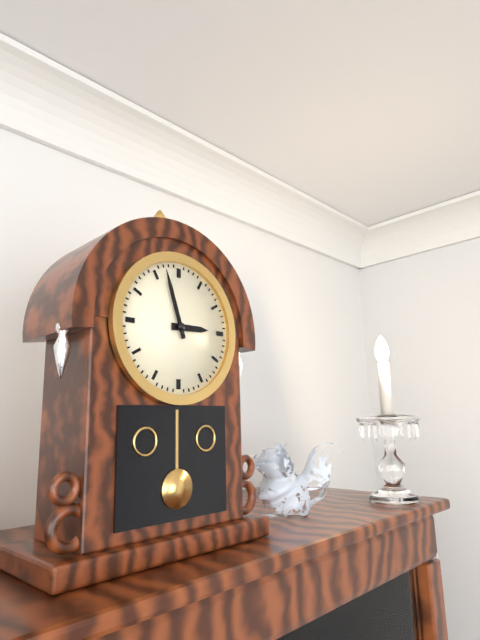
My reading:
h=2 m=57
